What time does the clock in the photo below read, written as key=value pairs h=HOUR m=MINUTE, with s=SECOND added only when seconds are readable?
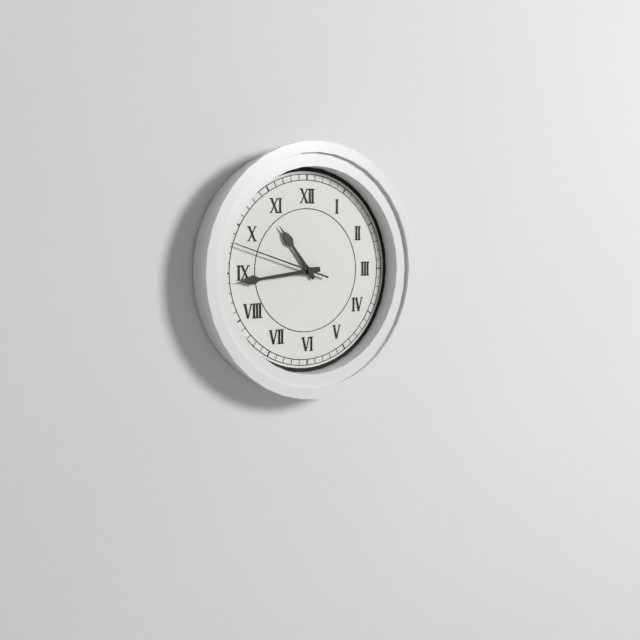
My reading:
h=10 m=44 s=48
